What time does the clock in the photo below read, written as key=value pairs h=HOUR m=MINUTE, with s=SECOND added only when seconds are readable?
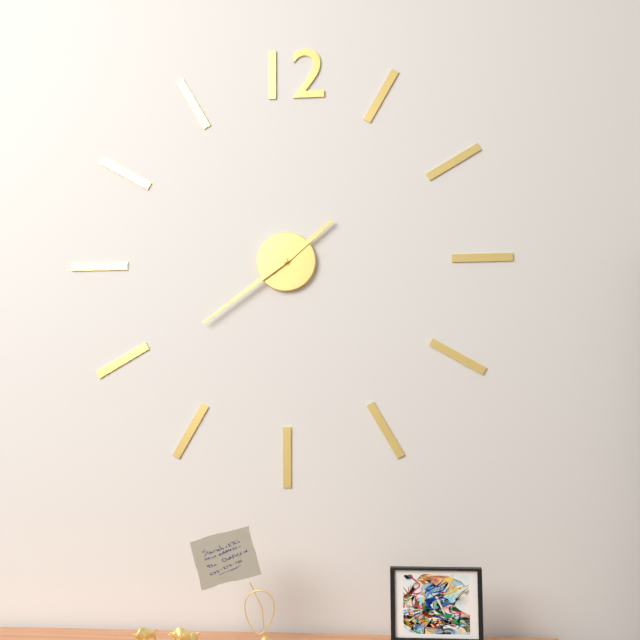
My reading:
h=1 m=39
